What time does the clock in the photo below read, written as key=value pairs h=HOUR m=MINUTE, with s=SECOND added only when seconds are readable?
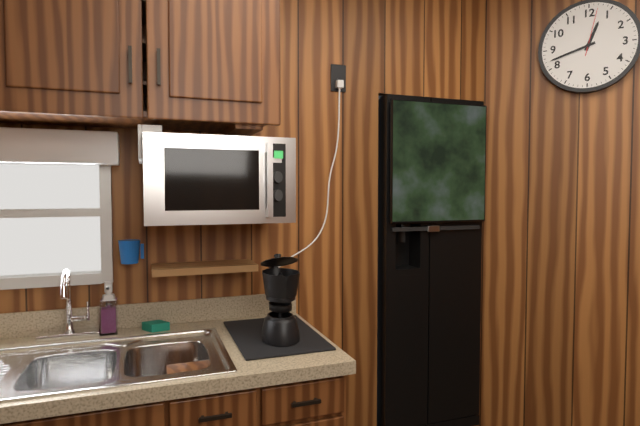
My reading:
h=12 m=42 s=2
